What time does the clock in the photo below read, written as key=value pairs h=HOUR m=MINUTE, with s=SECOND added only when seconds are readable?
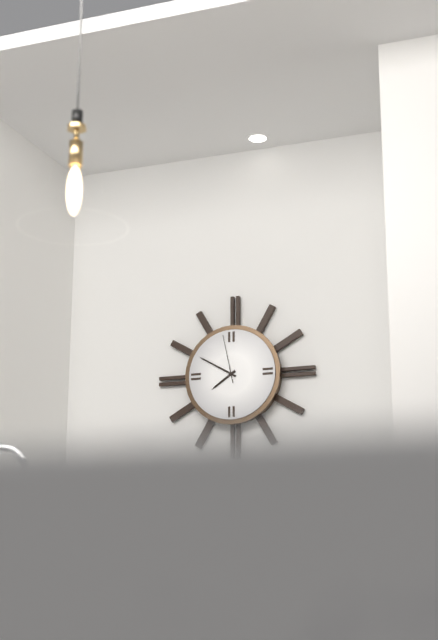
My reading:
h=7 m=50
